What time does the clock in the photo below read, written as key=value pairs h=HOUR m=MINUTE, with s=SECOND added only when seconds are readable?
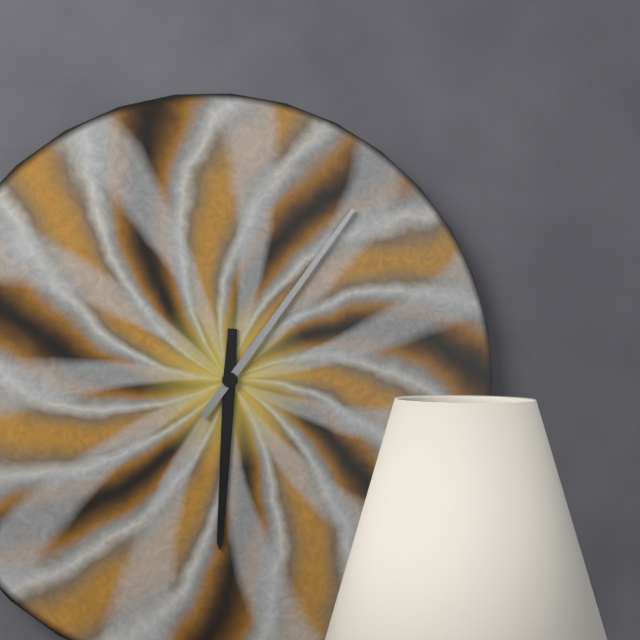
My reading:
h=6 m=6
